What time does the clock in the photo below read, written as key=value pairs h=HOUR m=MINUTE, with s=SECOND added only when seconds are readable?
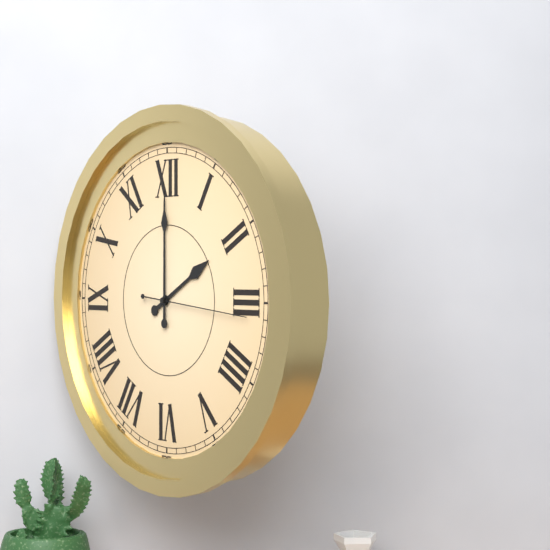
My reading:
h=2 m=0 s=16
